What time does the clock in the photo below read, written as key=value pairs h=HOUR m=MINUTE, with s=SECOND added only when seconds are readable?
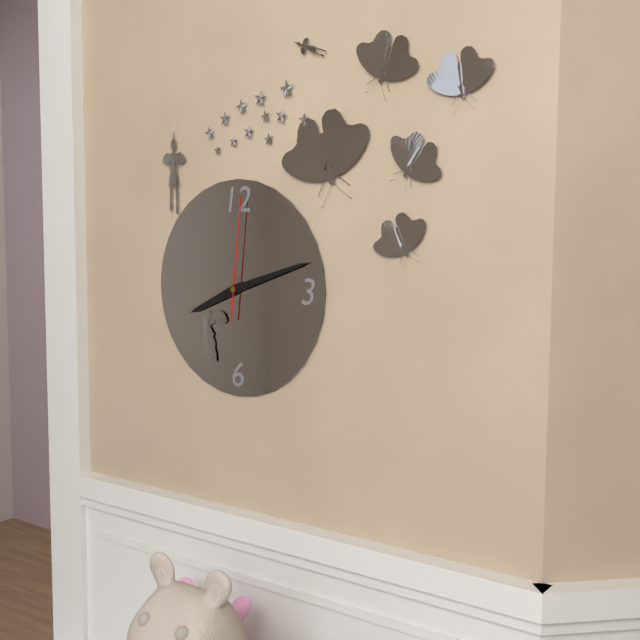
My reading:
h=8 m=12 s=1
